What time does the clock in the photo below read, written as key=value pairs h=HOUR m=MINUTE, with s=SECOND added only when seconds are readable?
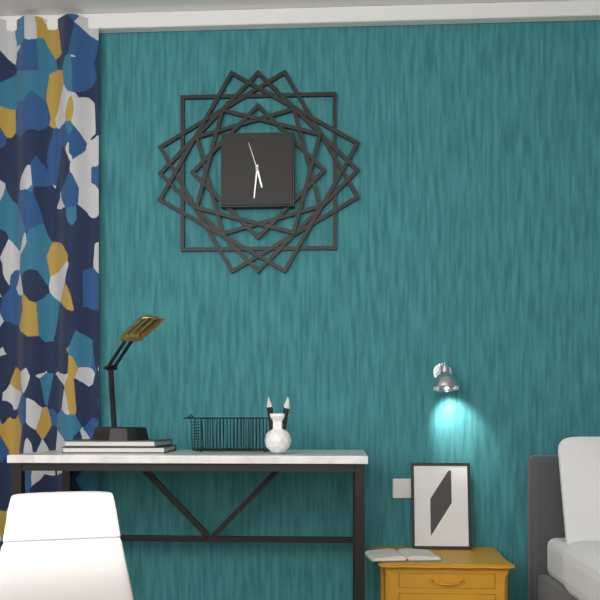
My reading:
h=5 m=31
